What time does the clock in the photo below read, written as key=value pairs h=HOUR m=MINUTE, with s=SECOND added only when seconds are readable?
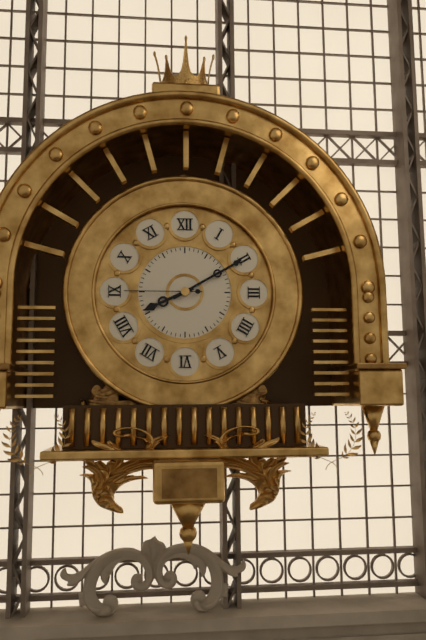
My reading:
h=8 m=10 s=45
